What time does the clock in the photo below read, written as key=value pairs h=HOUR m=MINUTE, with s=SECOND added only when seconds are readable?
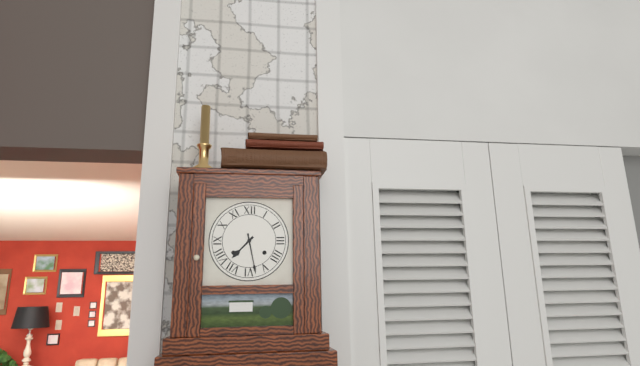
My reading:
h=7 m=28
